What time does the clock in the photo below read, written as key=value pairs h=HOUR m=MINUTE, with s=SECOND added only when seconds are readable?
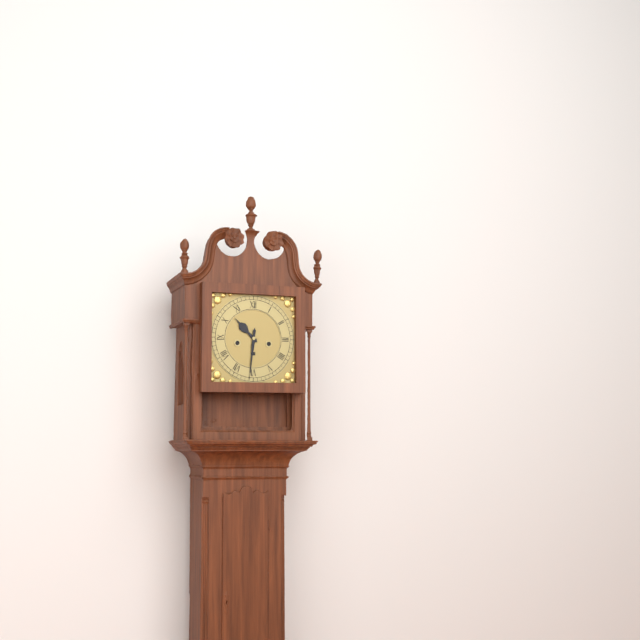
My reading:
h=10 m=31
